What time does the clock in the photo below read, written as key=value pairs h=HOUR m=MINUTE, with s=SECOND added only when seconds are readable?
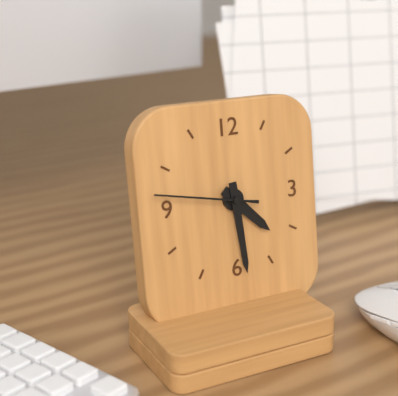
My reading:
h=4 m=29 s=47
